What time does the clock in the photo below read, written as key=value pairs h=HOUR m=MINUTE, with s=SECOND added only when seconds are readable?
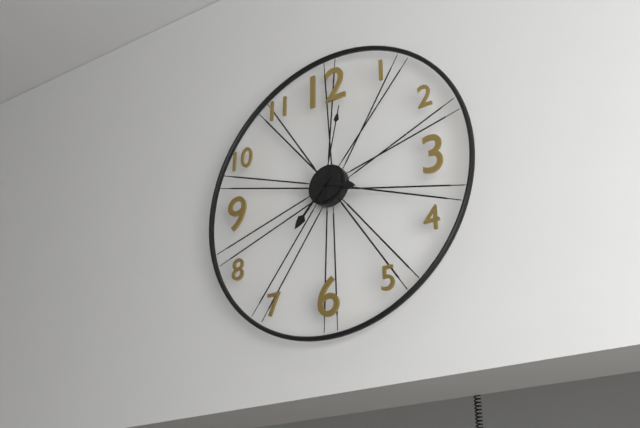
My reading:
h=3 m=37 s=2
